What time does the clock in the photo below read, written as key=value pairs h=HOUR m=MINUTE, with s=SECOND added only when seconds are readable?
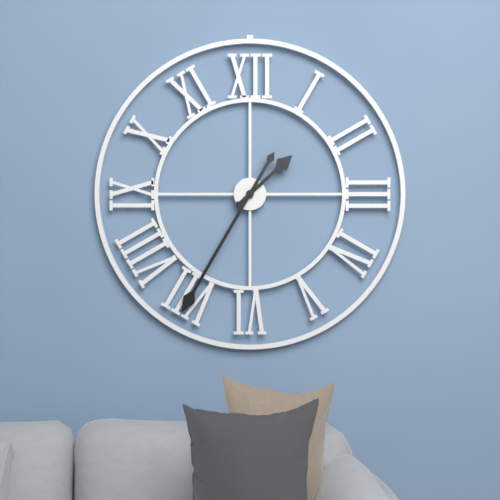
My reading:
h=1 m=35
